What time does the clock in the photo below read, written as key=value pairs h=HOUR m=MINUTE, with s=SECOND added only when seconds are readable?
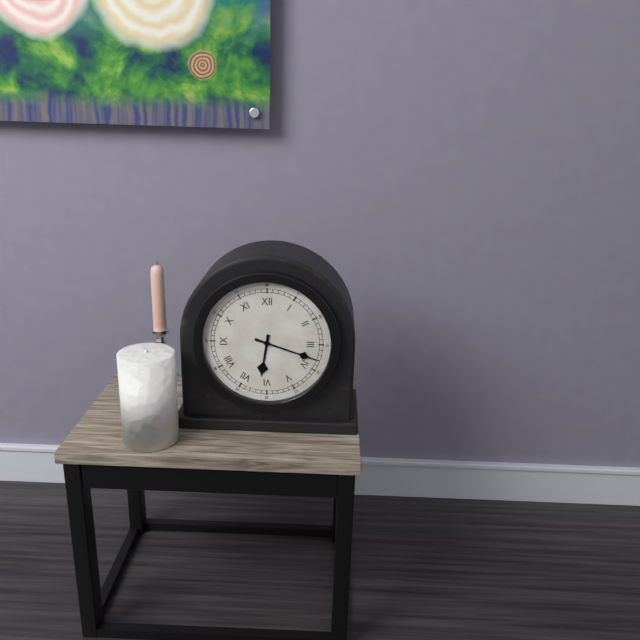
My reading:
h=6 m=18
